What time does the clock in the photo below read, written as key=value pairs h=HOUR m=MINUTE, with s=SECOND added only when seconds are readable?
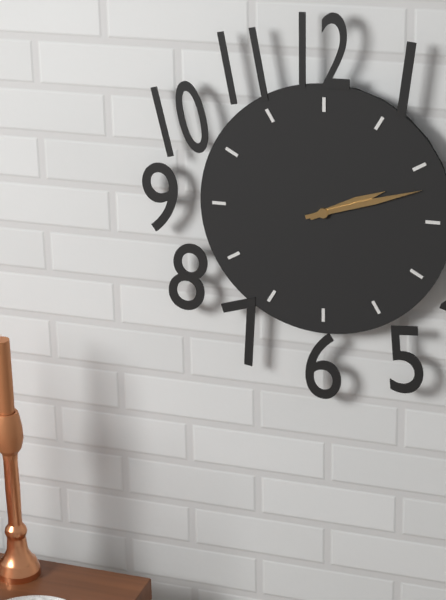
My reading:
h=2 m=12
